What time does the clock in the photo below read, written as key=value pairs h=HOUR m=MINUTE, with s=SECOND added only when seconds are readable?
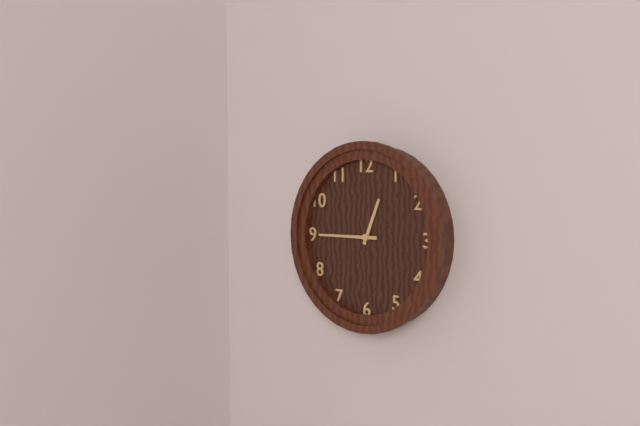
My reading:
h=12 m=45
